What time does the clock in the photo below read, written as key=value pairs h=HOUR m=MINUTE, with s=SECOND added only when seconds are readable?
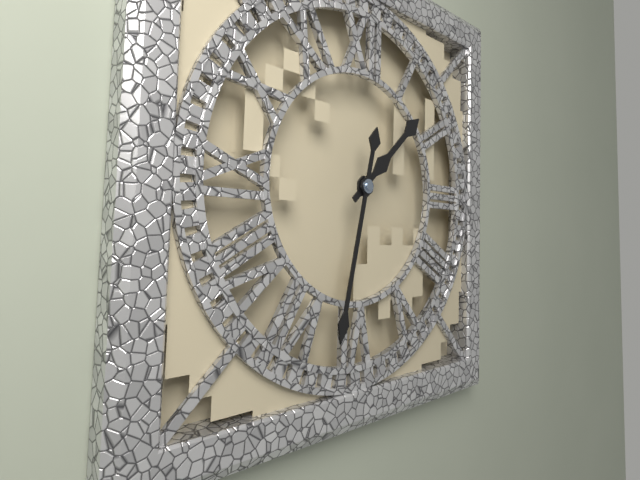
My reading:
h=1 m=32
